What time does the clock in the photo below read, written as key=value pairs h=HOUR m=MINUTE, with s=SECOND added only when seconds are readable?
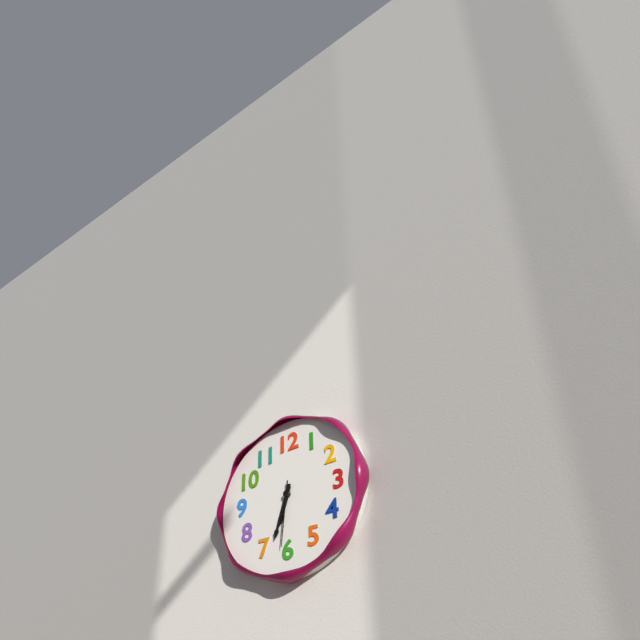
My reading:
h=6 m=33 s=31
